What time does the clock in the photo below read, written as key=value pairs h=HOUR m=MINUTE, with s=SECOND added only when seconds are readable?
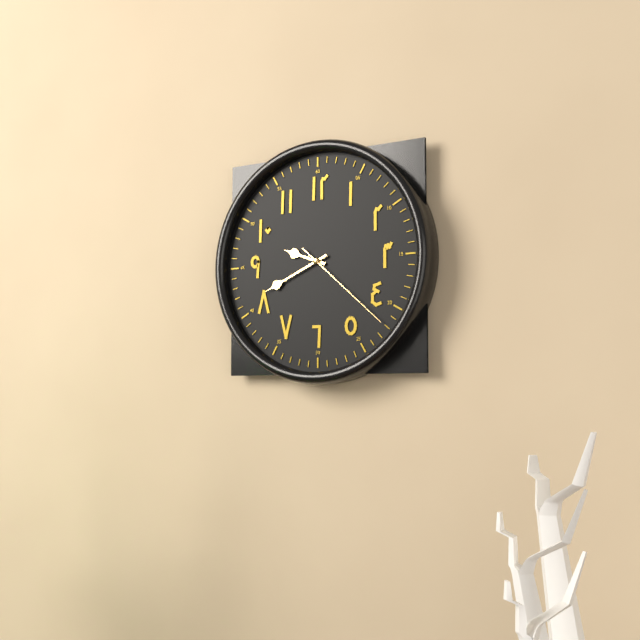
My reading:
h=9 m=41 s=22
